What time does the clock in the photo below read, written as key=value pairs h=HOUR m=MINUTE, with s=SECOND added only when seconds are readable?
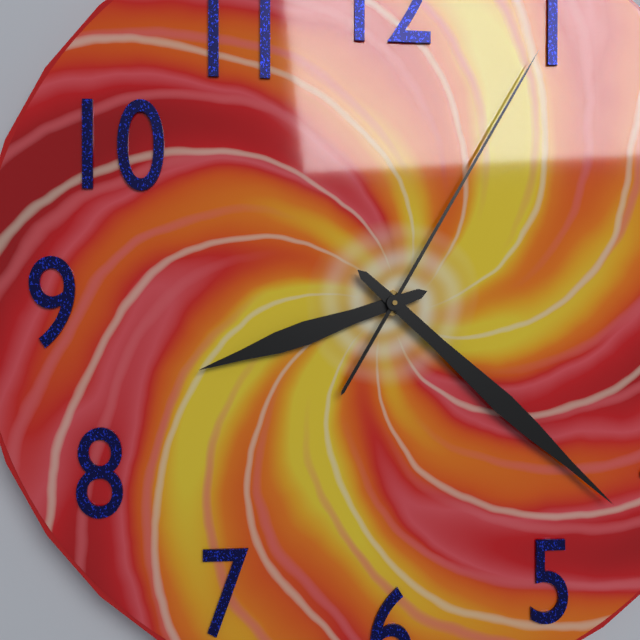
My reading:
h=8 m=22 s=5
